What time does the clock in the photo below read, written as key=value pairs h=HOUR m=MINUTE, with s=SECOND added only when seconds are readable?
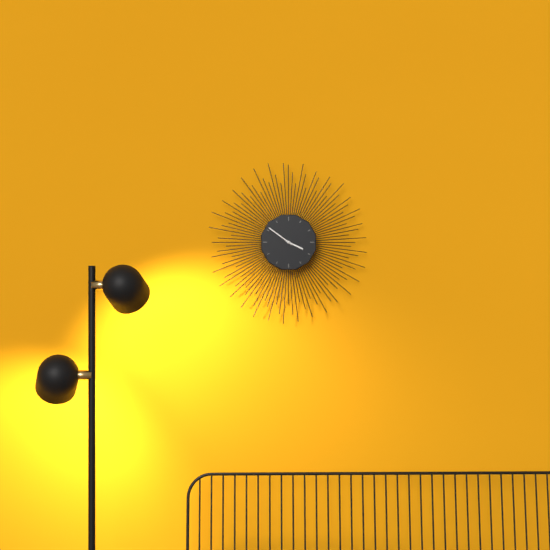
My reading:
h=3 m=51
